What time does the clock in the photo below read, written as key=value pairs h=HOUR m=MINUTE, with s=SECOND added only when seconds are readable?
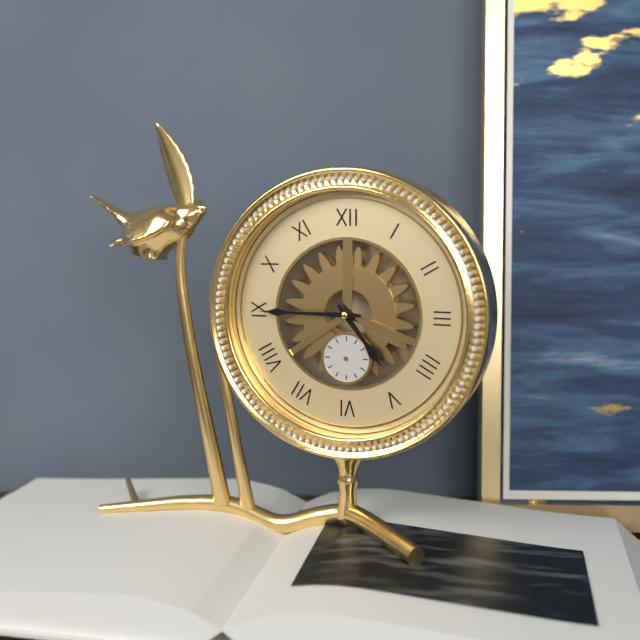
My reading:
h=4 m=45
